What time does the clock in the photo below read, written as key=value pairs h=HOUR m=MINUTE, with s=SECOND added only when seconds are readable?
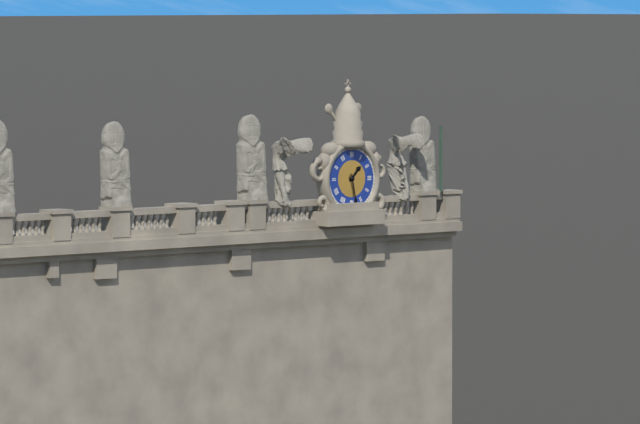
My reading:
h=1 m=28
